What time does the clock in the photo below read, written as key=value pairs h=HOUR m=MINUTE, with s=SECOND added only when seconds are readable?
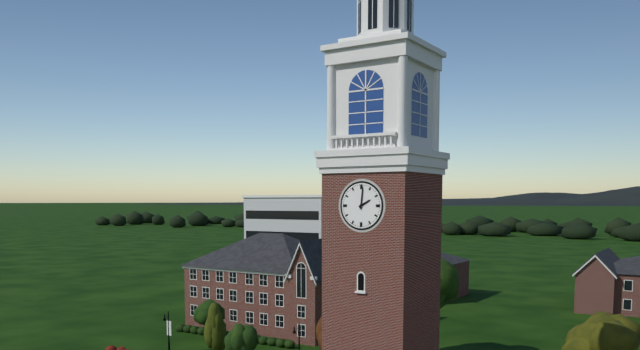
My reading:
h=2 m=1
